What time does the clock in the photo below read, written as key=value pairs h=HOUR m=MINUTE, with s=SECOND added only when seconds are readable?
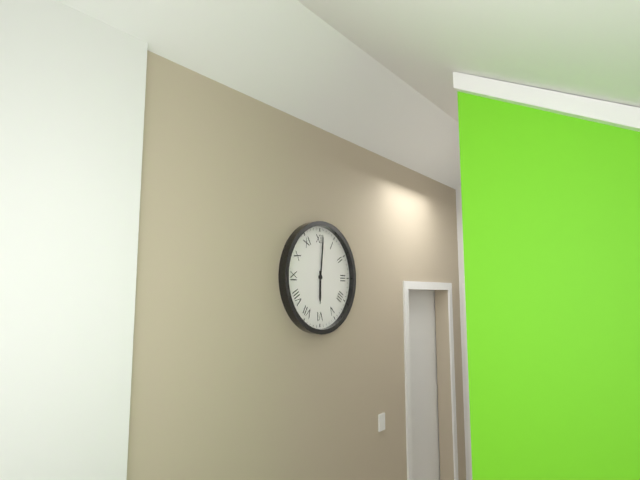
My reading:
h=6 m=1
